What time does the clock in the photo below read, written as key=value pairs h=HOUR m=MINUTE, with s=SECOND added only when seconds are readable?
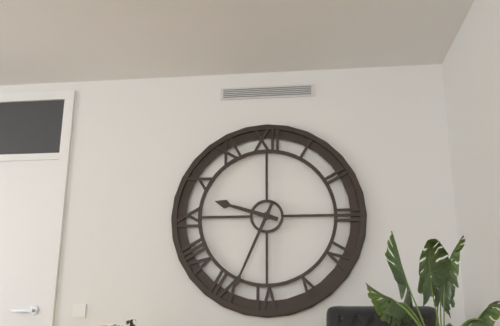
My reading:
h=9 m=34
